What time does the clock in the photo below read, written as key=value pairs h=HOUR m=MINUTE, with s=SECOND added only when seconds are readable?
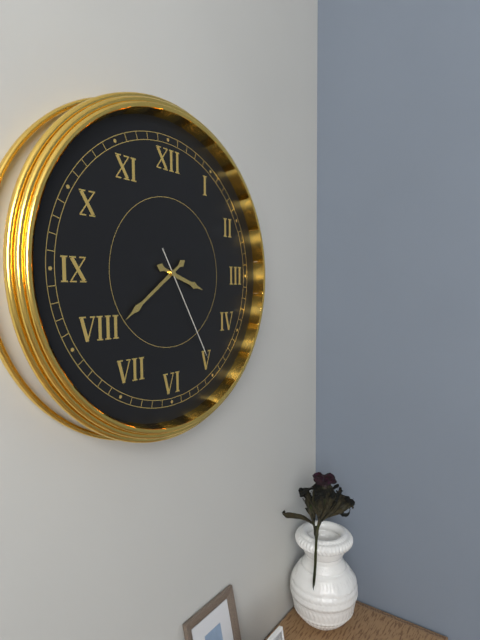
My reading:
h=3 m=39 s=25
